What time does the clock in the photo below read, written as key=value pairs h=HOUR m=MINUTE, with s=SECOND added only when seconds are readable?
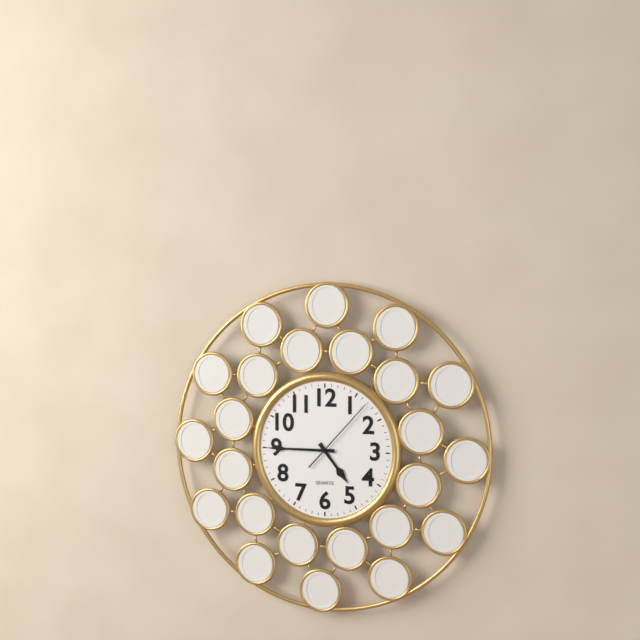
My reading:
h=4 m=45 s=7
